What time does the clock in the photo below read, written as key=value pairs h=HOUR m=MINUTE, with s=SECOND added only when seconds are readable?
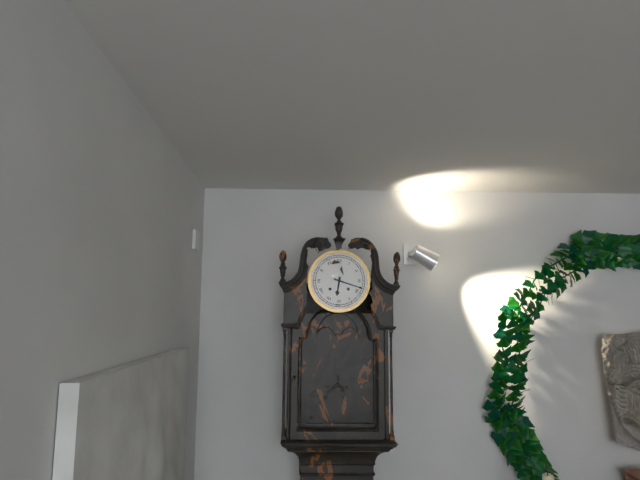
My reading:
h=6 m=18
